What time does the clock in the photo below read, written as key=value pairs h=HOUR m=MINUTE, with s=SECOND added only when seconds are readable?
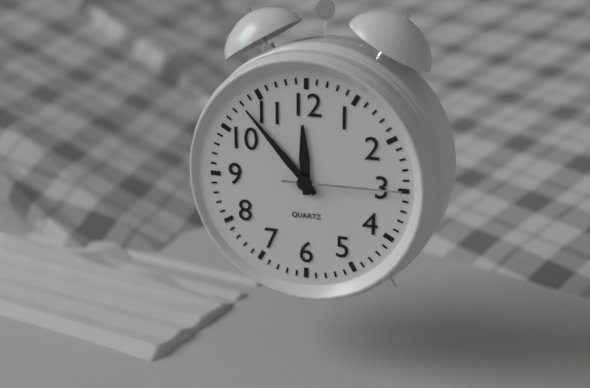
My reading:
h=11 m=53 s=15
